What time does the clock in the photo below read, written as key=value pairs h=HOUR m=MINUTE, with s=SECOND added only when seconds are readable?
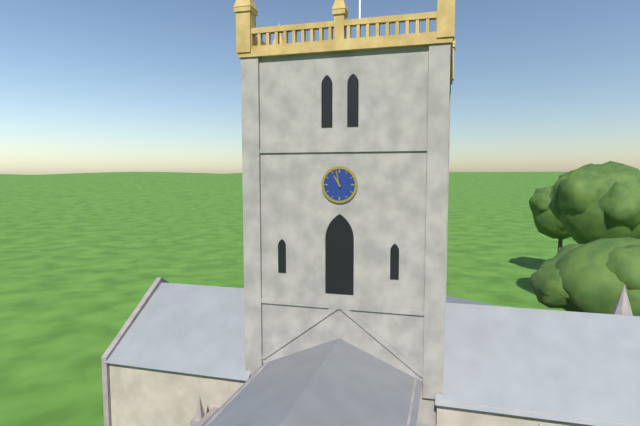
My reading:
h=10 m=58
